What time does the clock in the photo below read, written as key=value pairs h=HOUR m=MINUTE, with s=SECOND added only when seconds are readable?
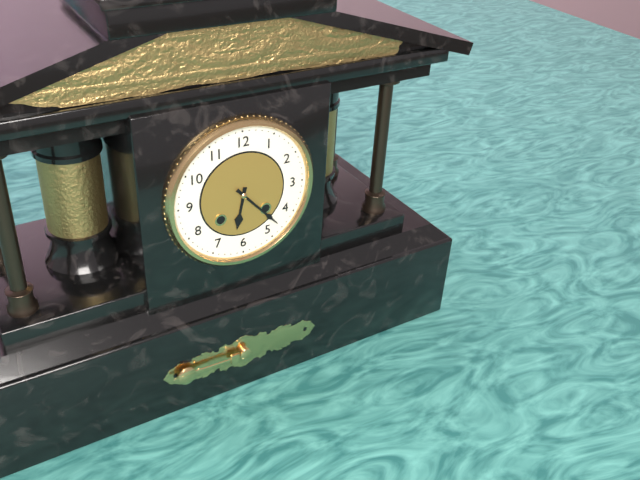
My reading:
h=6 m=23
